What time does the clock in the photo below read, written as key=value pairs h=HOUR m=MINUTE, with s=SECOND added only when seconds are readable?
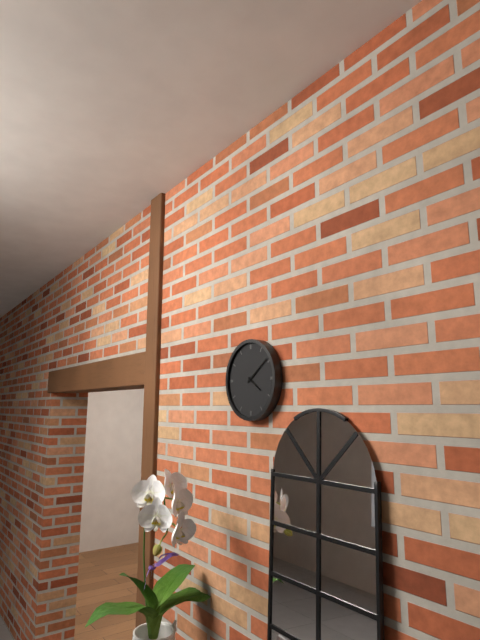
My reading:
h=4 m=9
